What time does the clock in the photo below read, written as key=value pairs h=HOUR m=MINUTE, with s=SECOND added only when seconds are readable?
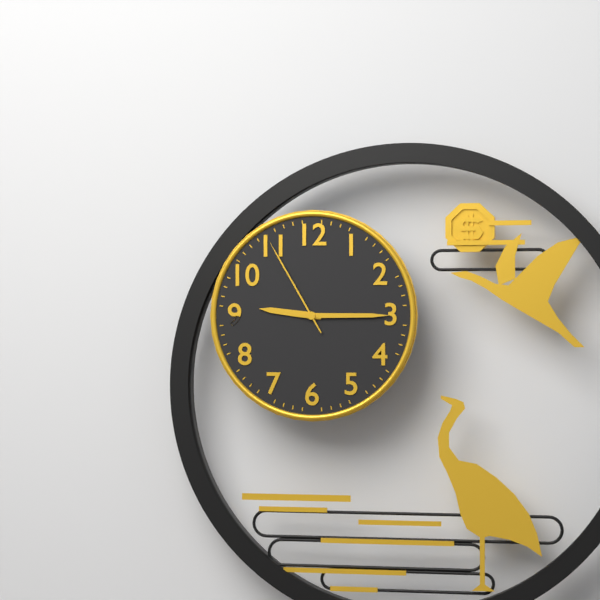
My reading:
h=9 m=15 s=55
